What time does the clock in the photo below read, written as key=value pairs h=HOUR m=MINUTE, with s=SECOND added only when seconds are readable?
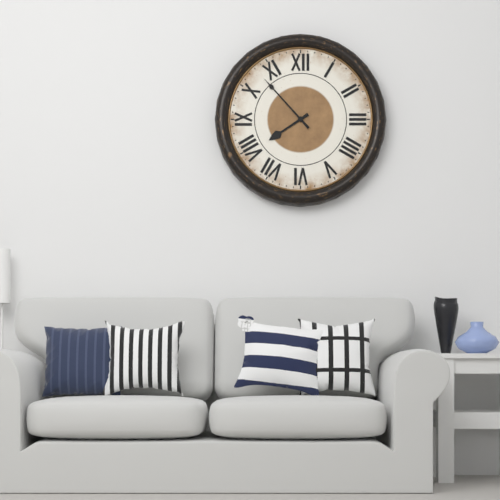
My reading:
h=7 m=53
